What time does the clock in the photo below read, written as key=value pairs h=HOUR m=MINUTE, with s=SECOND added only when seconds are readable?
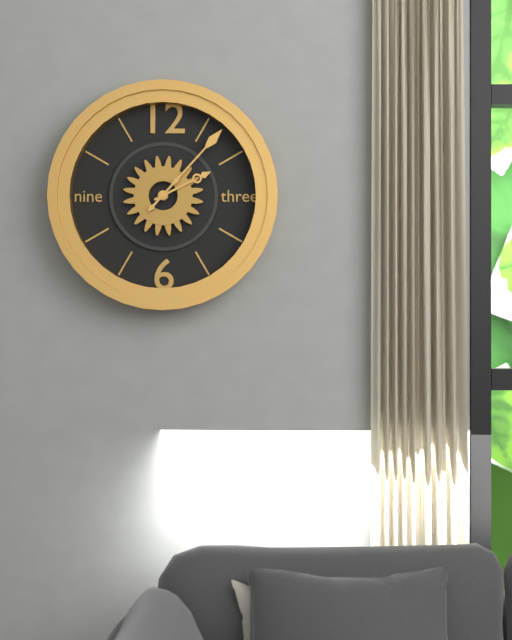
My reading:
h=2 m=7
